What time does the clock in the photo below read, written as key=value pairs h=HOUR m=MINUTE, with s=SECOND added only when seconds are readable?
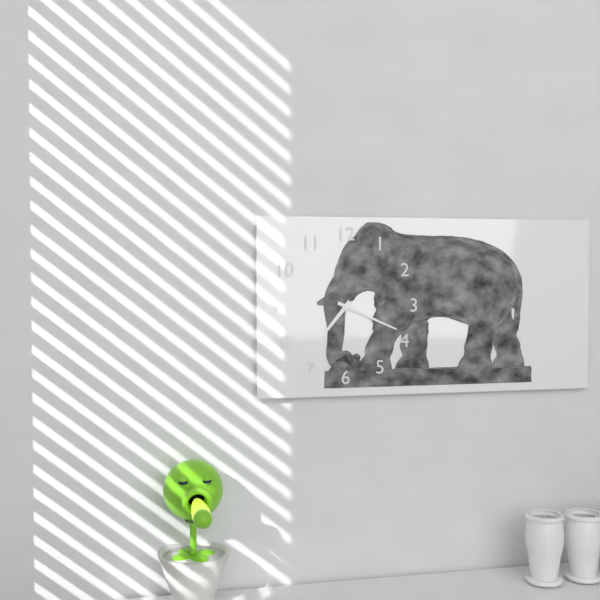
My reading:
h=7 m=19
